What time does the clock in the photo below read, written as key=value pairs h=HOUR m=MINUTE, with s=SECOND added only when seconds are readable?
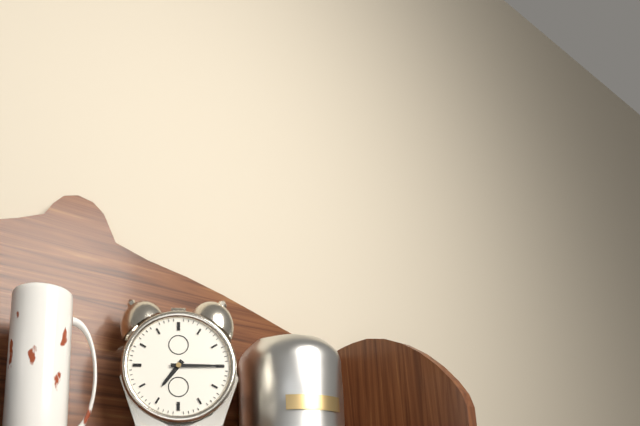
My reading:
h=7 m=15
